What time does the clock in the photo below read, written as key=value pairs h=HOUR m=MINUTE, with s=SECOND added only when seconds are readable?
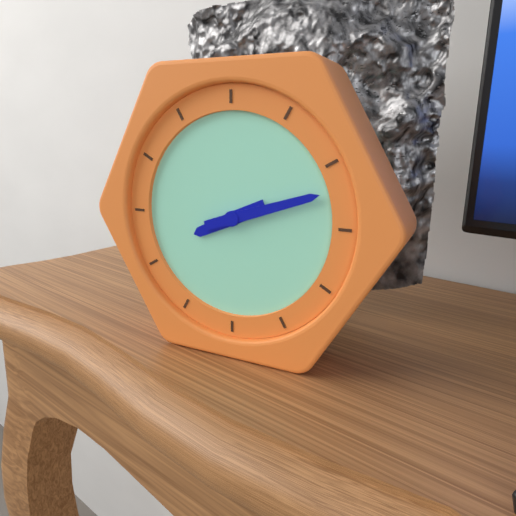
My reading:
h=8 m=12
